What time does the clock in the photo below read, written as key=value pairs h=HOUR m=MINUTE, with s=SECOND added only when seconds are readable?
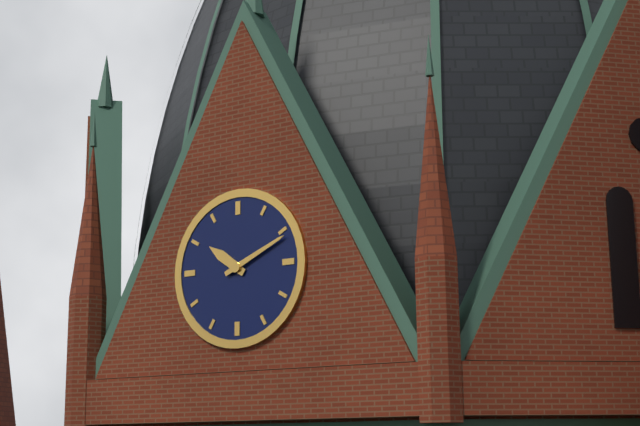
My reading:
h=10 m=11
